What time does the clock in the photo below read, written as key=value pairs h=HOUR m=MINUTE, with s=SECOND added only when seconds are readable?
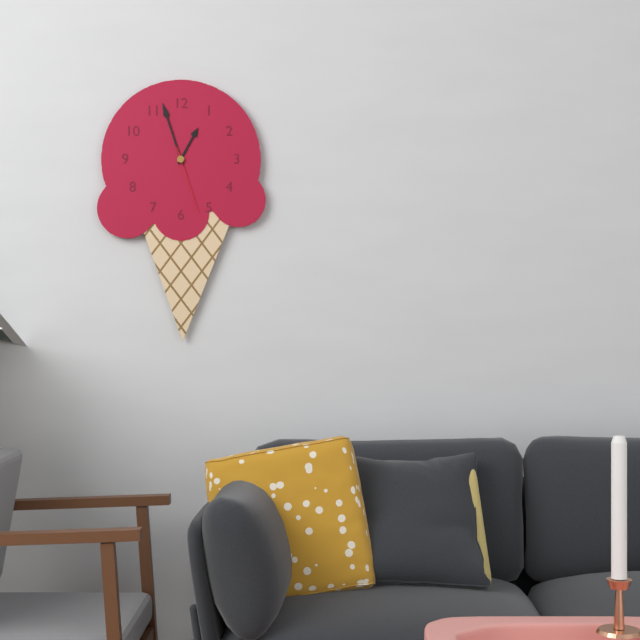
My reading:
h=12 m=57 s=27
